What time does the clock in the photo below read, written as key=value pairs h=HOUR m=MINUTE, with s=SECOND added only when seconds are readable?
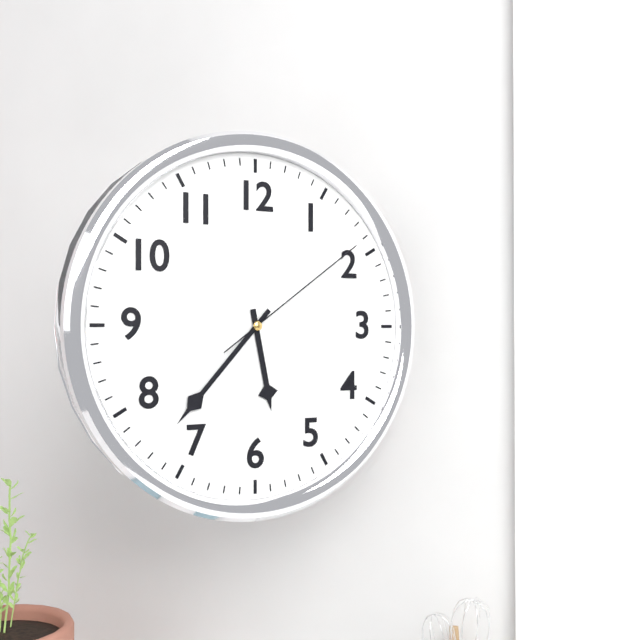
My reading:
h=5 m=37 s=9
